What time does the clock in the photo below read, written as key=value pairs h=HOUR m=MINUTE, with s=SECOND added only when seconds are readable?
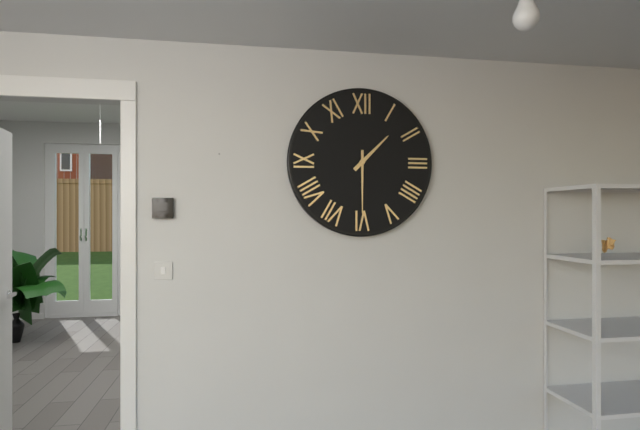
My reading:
h=1 m=30
